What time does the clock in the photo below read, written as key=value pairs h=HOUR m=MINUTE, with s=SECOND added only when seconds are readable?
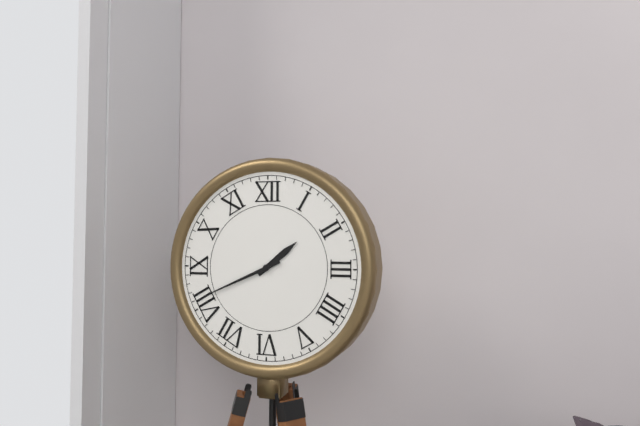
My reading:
h=1 m=41
